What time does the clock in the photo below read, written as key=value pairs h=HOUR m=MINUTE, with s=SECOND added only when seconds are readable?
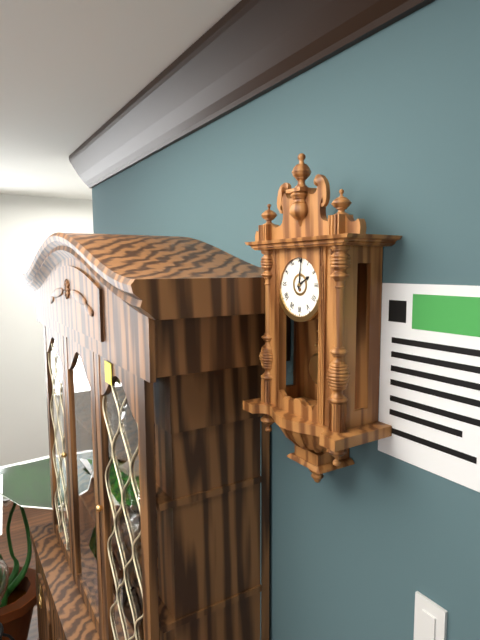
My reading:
h=2 m=1
